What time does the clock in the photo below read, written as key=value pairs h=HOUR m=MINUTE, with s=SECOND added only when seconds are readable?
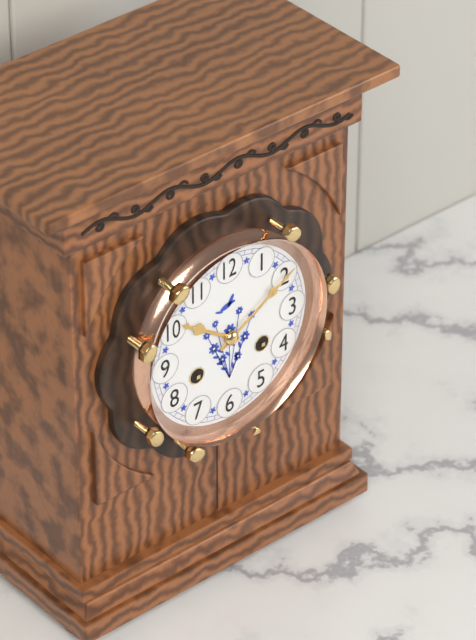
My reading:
h=10 m=10
